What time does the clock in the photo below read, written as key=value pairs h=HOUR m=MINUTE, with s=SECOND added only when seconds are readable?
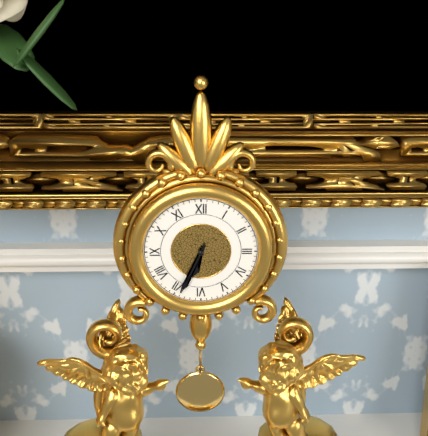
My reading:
h=6 m=34
